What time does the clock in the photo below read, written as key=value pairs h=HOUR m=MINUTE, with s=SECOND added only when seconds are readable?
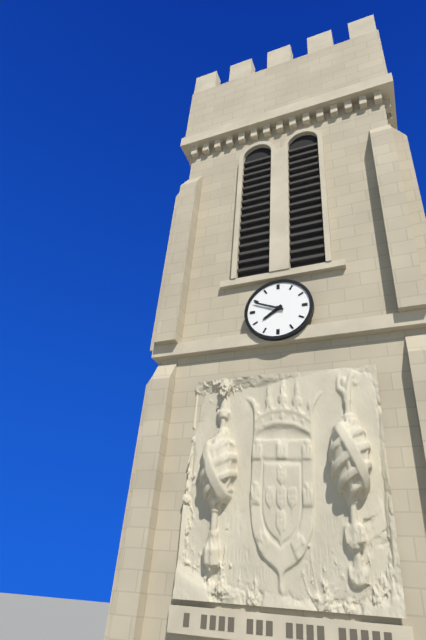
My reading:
h=7 m=49
